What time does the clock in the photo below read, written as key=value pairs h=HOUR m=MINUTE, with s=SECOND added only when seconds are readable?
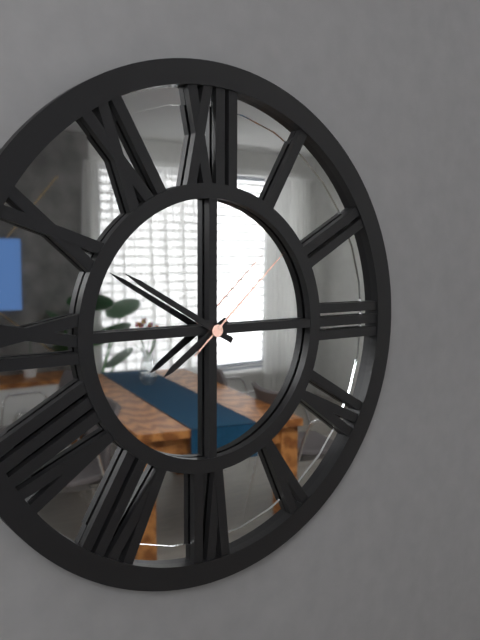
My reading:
h=7 m=50 s=8
